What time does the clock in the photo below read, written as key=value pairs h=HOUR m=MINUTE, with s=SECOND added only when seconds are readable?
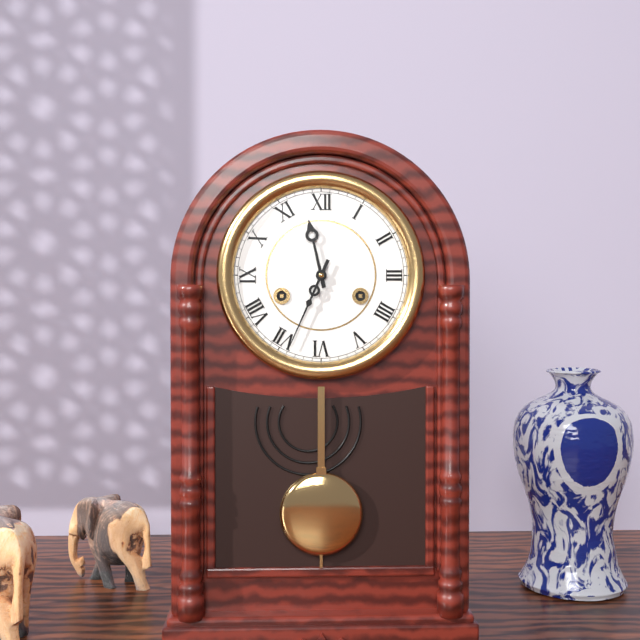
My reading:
h=11 m=34
